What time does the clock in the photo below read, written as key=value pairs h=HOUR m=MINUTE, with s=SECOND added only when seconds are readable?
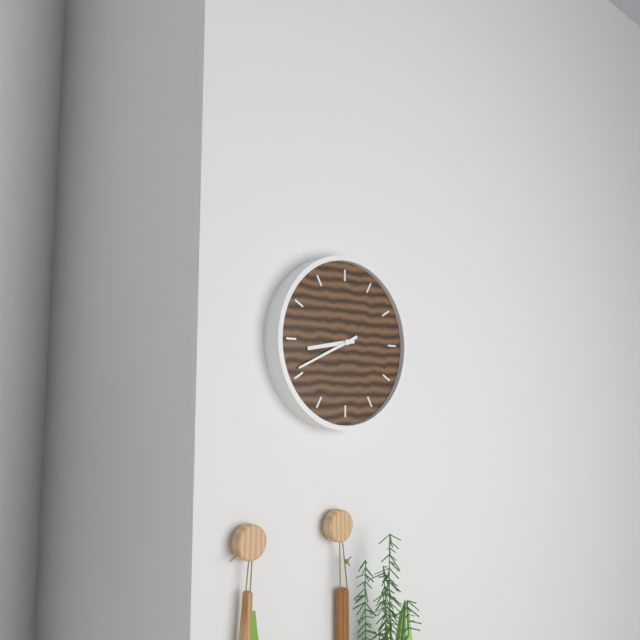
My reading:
h=8 m=41
